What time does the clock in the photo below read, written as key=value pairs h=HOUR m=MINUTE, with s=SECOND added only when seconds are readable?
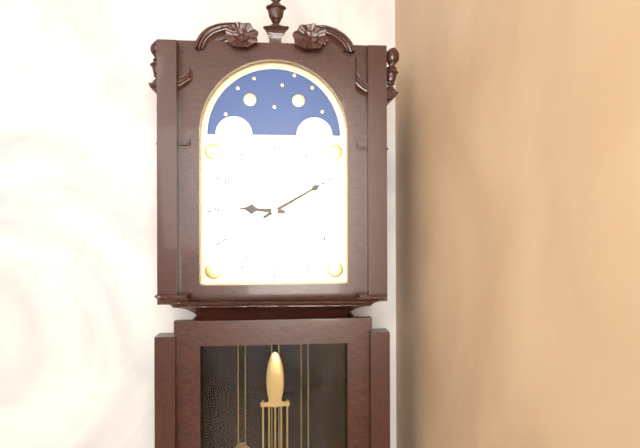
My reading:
h=9 m=10
